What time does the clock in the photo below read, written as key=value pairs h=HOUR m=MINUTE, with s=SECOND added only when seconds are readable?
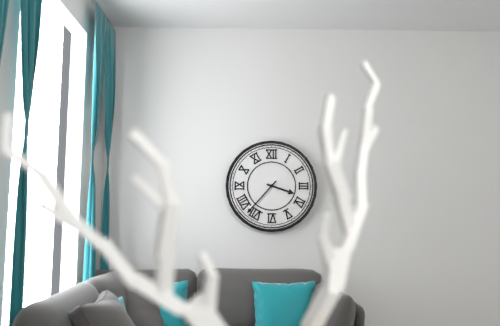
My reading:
h=3 m=37
